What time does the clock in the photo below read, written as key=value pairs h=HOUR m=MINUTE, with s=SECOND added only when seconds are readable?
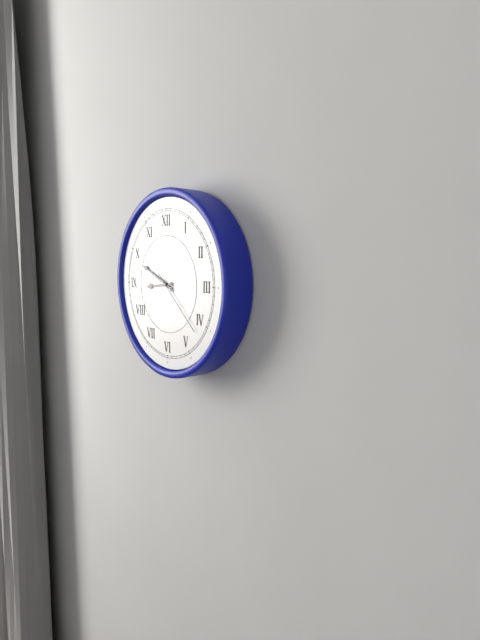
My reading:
h=8 m=49 s=22
